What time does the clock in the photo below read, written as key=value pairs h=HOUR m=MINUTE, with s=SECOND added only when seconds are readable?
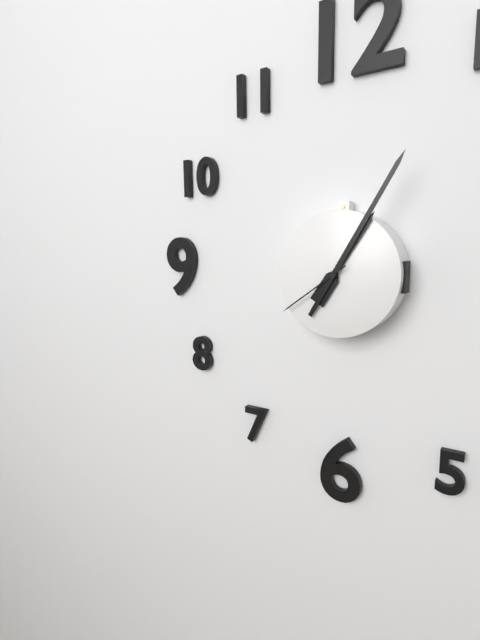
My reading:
h=1 m=5 s=39
